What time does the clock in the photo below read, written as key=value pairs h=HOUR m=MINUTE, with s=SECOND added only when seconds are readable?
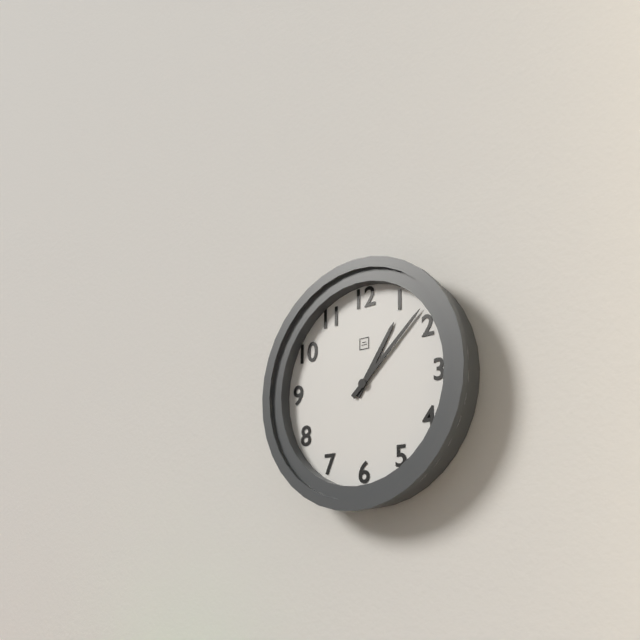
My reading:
h=1 m=8
